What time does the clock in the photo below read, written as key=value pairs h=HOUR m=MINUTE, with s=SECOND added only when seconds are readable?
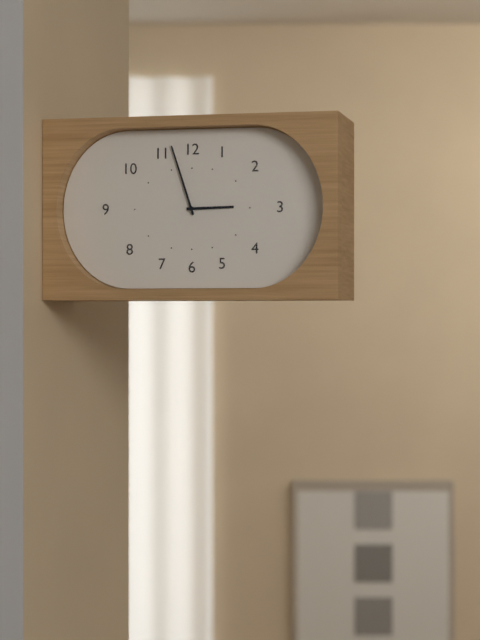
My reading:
h=2 m=57
